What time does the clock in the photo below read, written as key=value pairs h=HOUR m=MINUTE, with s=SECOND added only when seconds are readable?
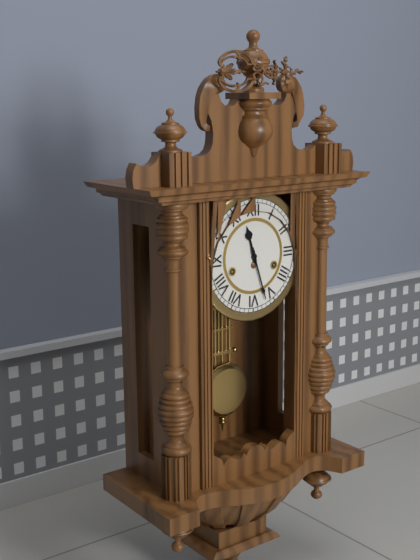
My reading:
h=11 m=27
